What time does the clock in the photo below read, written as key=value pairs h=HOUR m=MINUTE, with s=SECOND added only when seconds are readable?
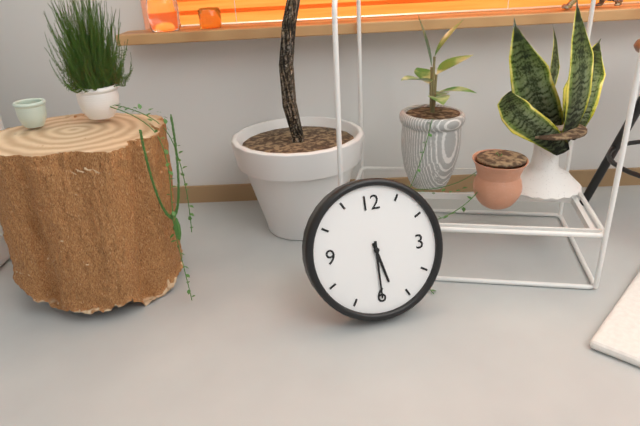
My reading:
h=5 m=30
